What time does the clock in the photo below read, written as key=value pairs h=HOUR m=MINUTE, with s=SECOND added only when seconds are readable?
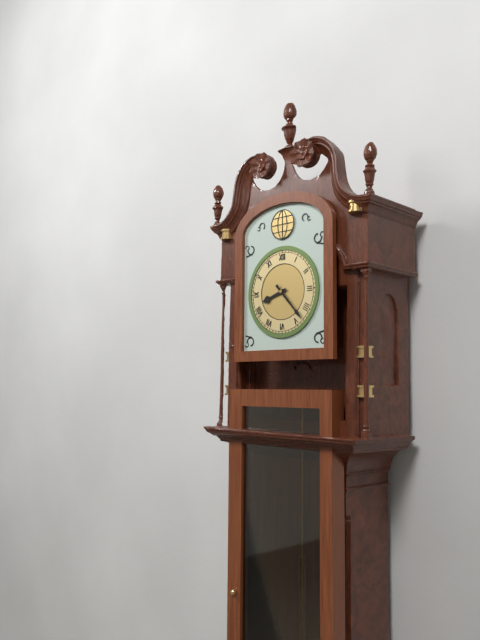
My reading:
h=8 m=23
